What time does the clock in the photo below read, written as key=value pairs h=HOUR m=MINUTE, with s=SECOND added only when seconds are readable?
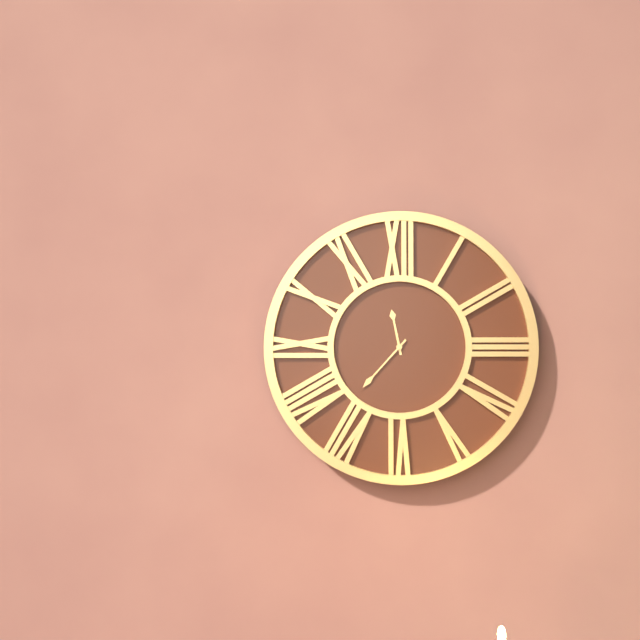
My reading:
h=11 m=37
